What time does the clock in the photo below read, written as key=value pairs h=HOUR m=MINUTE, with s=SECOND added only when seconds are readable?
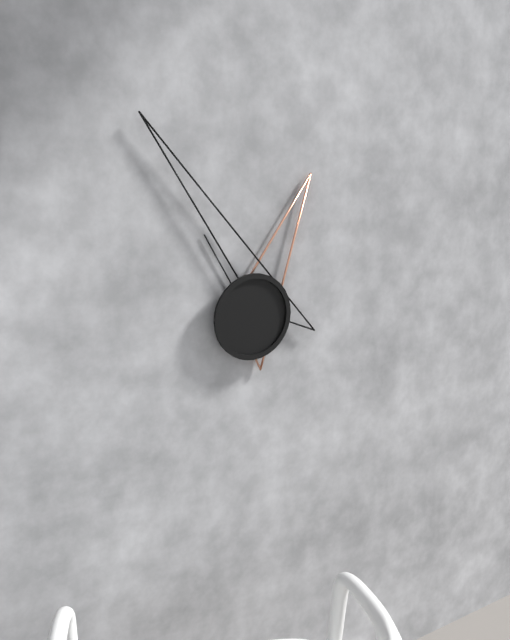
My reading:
h=12 m=55 s=55
